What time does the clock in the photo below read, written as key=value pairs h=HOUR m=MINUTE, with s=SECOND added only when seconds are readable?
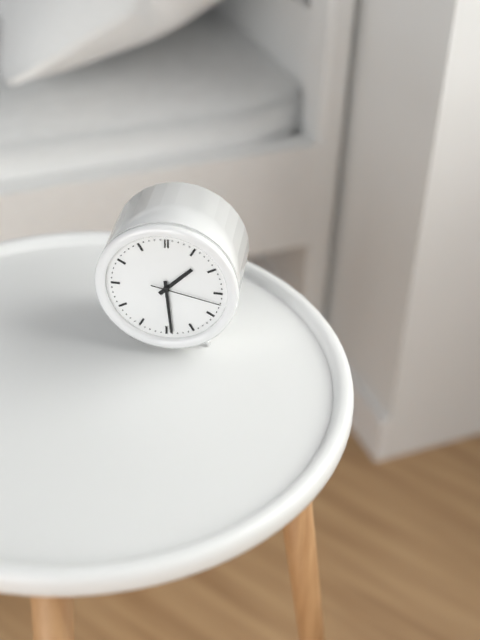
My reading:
h=1 m=29 s=17
